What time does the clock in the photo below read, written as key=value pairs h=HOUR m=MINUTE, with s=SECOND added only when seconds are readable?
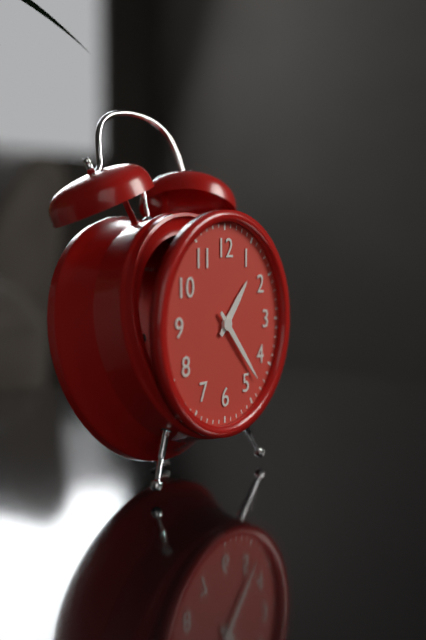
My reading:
h=1 m=23
